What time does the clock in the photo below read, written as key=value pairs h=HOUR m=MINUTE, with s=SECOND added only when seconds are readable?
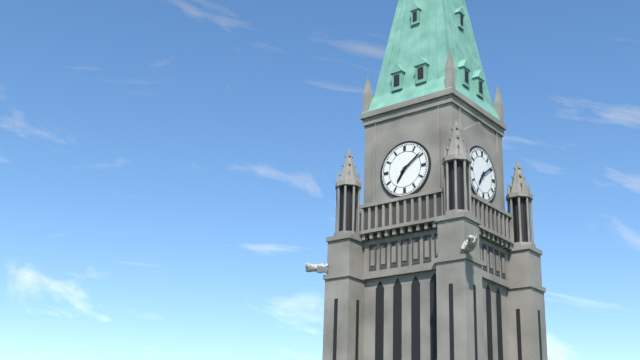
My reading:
h=7 m=9
